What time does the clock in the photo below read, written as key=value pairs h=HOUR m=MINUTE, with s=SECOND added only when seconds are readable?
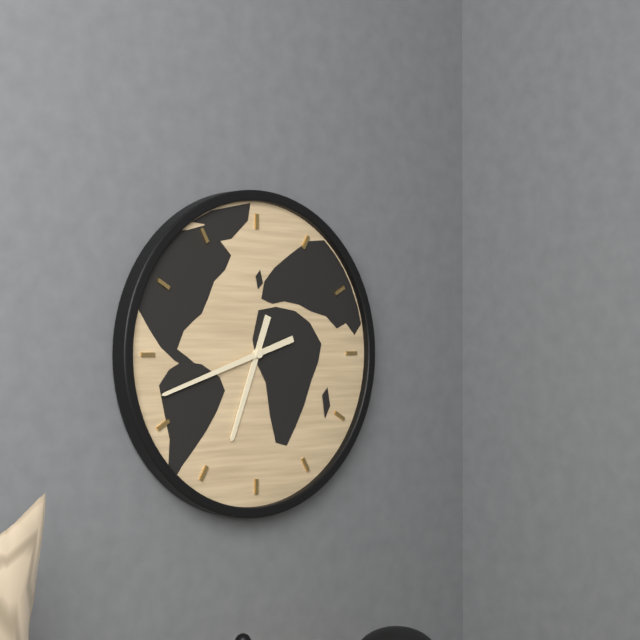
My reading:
h=6 m=42
